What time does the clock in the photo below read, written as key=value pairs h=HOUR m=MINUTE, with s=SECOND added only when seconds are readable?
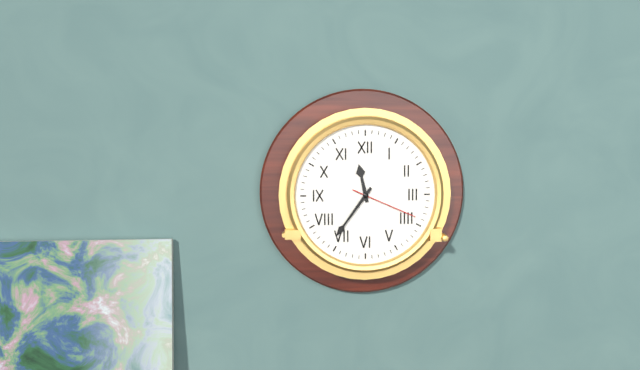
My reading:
h=11 m=36 s=19
